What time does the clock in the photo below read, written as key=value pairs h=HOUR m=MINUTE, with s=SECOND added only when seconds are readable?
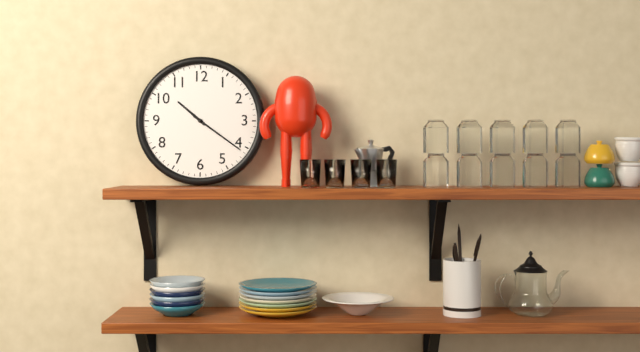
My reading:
h=10 m=21
